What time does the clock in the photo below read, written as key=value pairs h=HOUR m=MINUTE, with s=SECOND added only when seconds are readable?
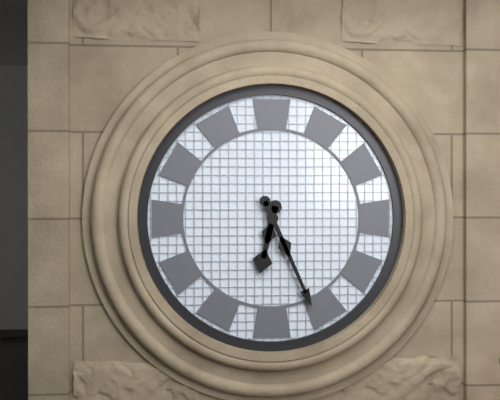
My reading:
h=6 m=26
